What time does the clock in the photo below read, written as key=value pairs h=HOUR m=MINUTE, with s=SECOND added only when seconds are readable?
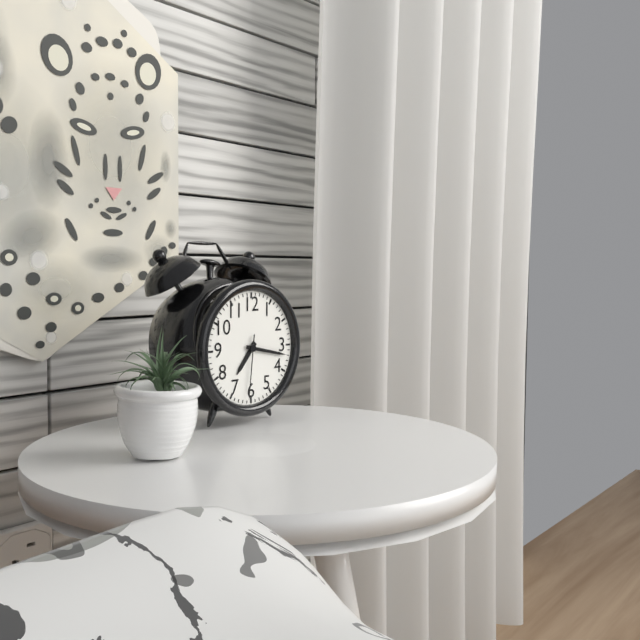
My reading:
h=7 m=17 s=31
